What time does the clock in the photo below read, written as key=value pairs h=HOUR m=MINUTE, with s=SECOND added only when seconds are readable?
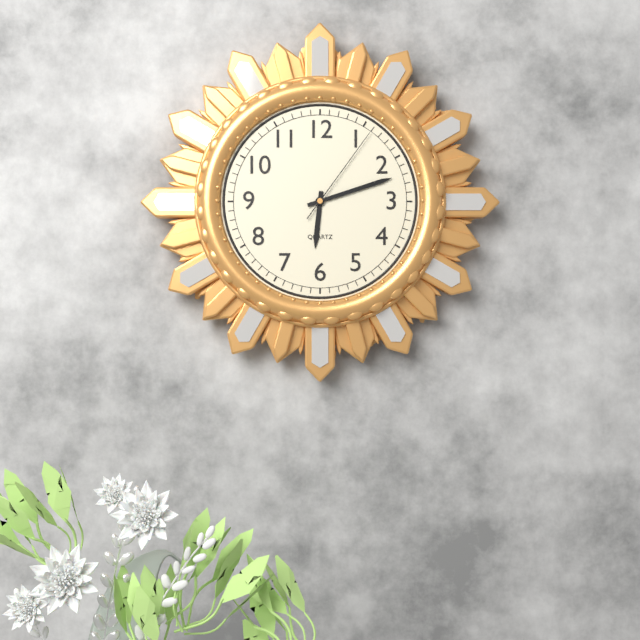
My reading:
h=6 m=12 s=6
